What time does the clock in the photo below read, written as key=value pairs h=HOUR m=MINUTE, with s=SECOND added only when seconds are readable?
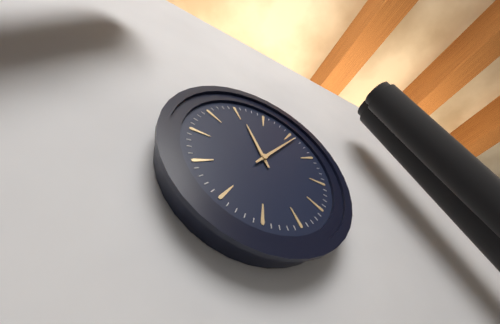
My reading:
h=11 m=6
